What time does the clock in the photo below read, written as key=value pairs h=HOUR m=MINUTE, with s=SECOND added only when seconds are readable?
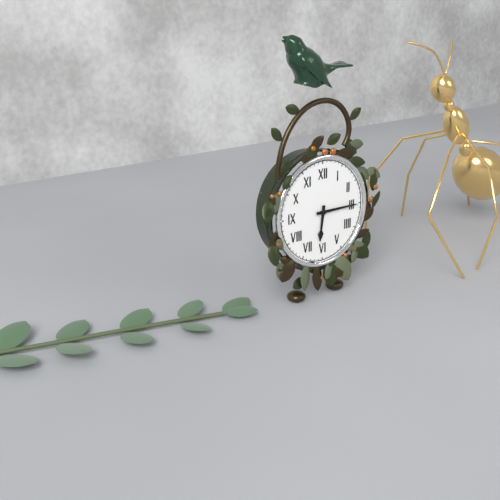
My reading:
h=6 m=15
